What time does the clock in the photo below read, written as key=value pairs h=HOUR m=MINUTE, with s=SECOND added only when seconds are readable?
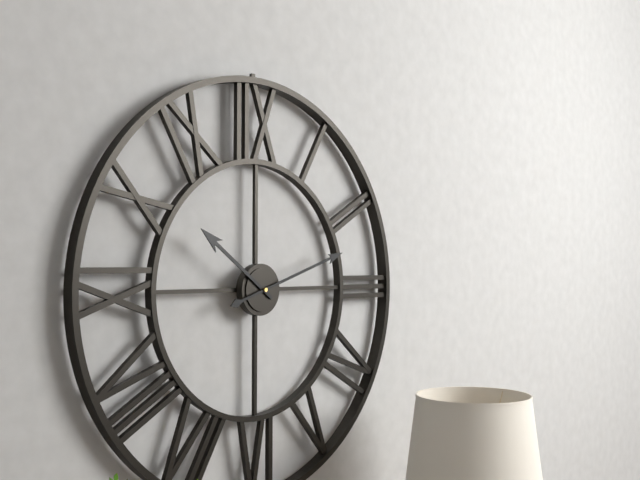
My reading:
h=10 m=12
